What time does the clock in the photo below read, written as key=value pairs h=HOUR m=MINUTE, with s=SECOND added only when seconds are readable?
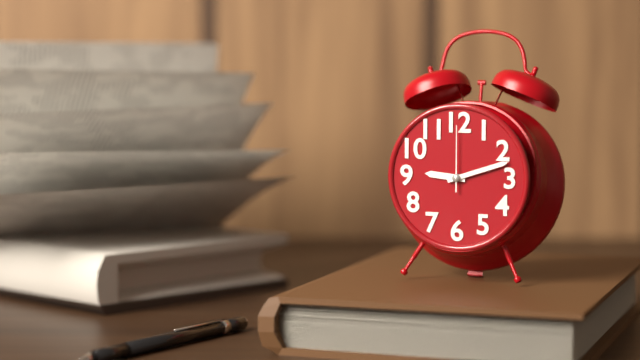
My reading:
h=9 m=12 s=0
